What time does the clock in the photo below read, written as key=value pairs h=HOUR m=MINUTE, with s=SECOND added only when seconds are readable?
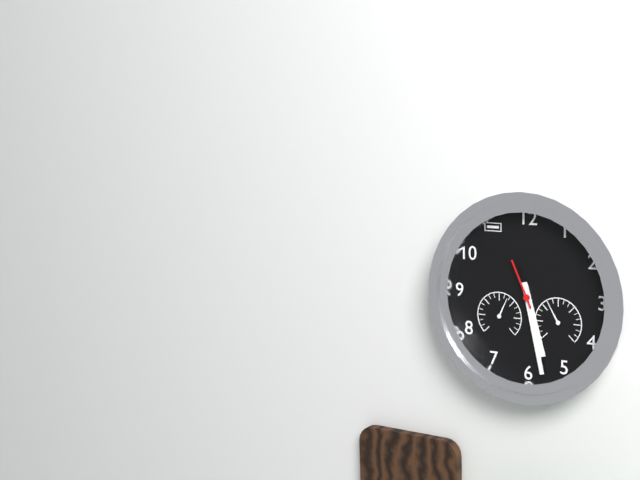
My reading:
h=5 m=28 s=56
